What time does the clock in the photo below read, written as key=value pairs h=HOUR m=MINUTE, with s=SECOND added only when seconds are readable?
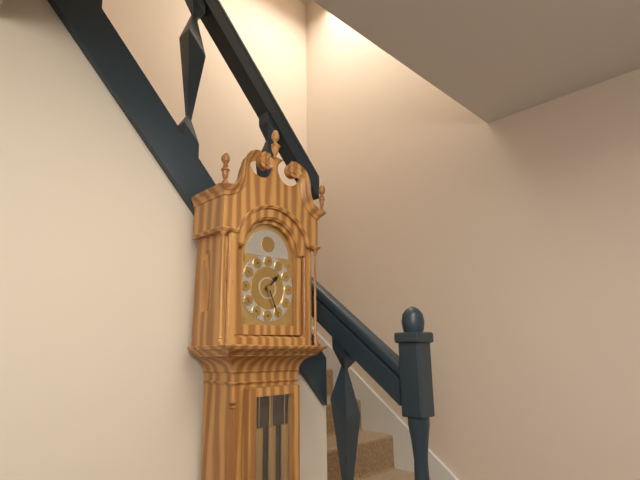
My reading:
h=1 m=26
